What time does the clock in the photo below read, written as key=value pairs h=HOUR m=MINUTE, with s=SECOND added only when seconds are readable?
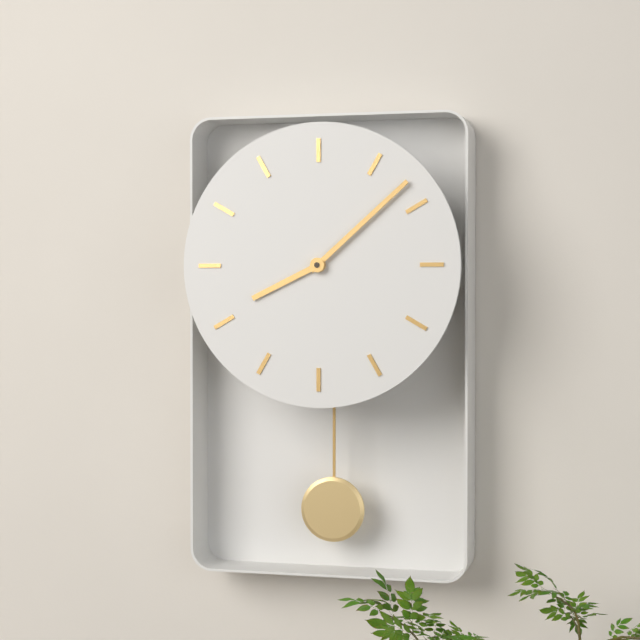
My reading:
h=8 m=8
